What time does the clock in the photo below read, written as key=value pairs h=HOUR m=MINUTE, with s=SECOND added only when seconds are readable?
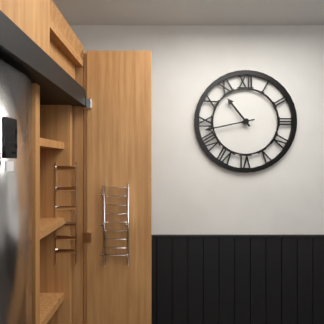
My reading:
h=10 m=43
